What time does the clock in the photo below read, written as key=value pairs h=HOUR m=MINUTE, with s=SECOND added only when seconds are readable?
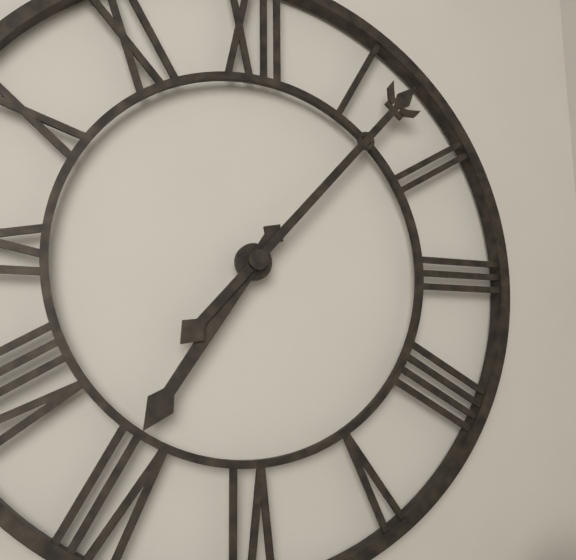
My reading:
h=7 m=7
